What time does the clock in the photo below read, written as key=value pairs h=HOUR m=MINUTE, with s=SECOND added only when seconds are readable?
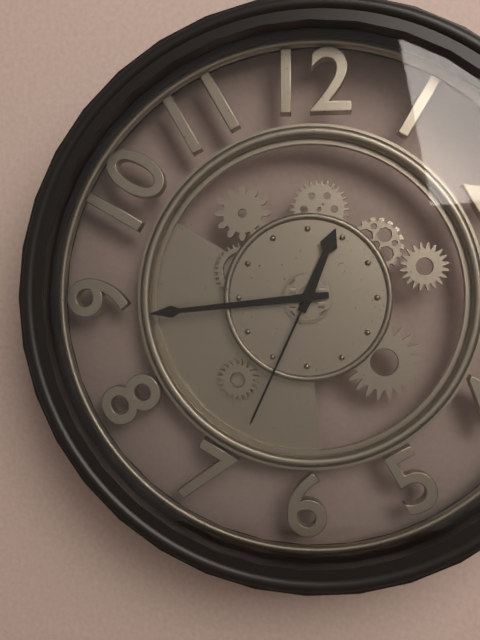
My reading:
h=12 m=44 s=34
